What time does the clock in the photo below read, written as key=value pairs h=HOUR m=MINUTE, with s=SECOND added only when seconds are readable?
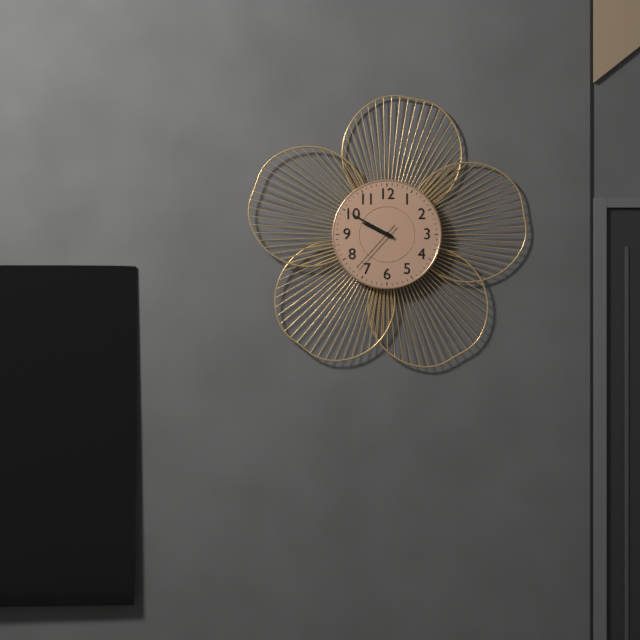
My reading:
h=9 m=50 s=37
